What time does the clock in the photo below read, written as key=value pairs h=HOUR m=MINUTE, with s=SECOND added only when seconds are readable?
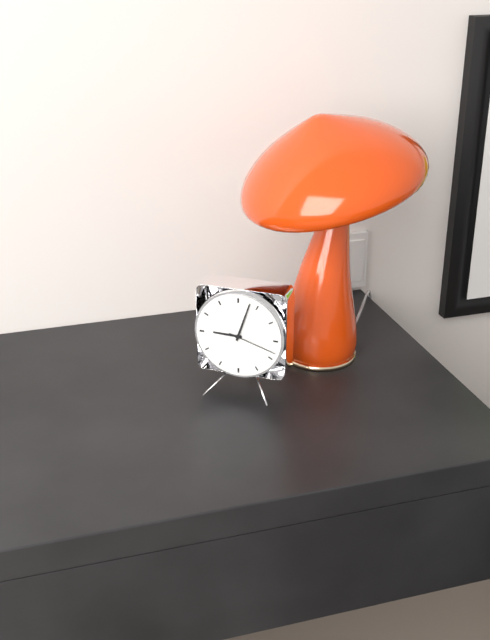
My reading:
h=9 m=3 s=18
